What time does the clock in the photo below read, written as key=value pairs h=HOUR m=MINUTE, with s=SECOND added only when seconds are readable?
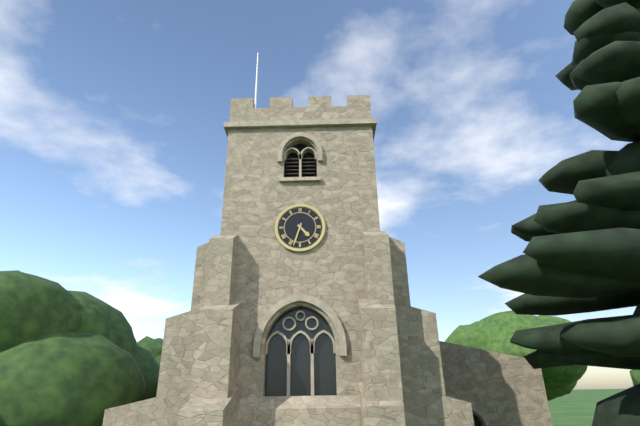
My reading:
h=4 m=33
